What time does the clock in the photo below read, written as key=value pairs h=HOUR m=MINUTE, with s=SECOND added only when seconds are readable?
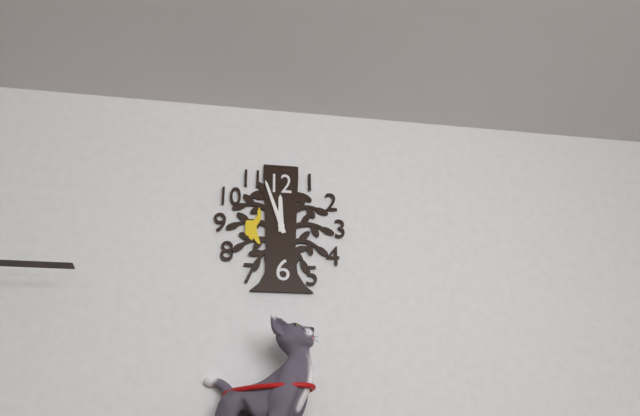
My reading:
h=11 m=57
